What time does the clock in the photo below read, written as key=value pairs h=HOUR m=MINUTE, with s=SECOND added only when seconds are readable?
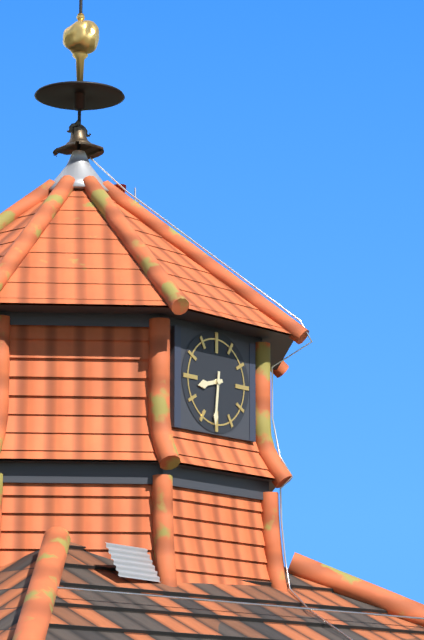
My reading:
h=8 m=31
